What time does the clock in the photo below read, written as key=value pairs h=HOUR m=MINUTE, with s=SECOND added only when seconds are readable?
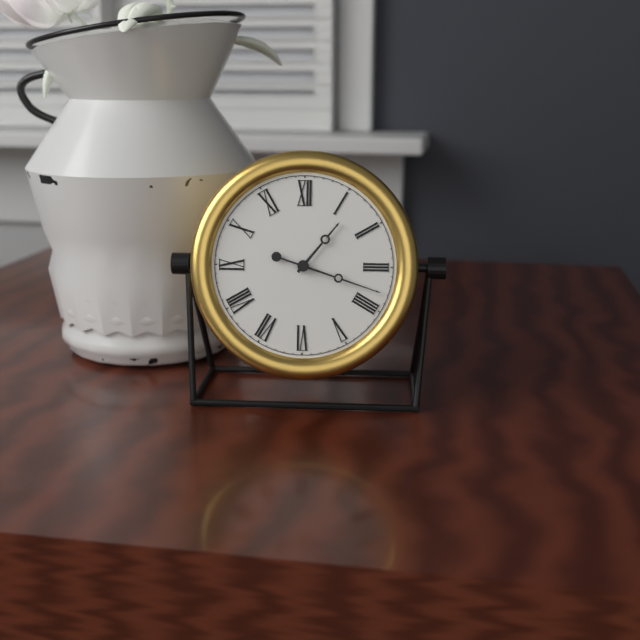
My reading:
h=1 m=18
